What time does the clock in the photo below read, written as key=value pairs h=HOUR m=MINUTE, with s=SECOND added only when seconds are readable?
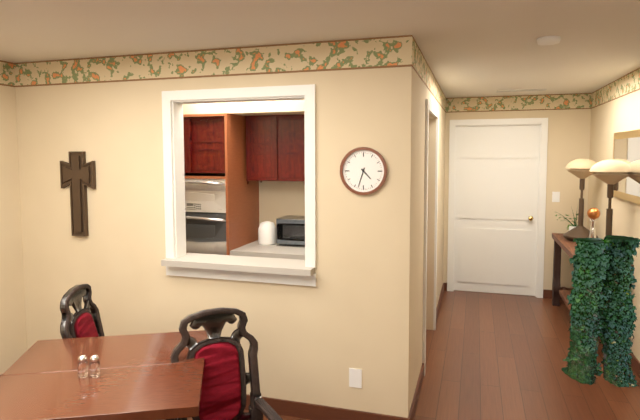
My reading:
h=4 m=33
